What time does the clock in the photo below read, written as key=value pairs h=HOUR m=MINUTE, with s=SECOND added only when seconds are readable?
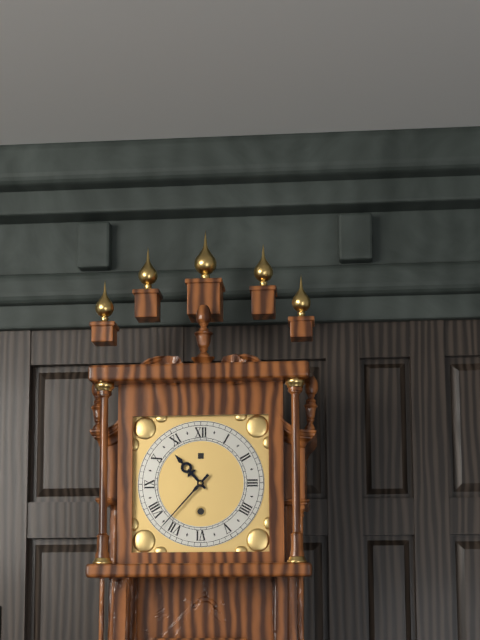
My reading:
h=10 m=37
